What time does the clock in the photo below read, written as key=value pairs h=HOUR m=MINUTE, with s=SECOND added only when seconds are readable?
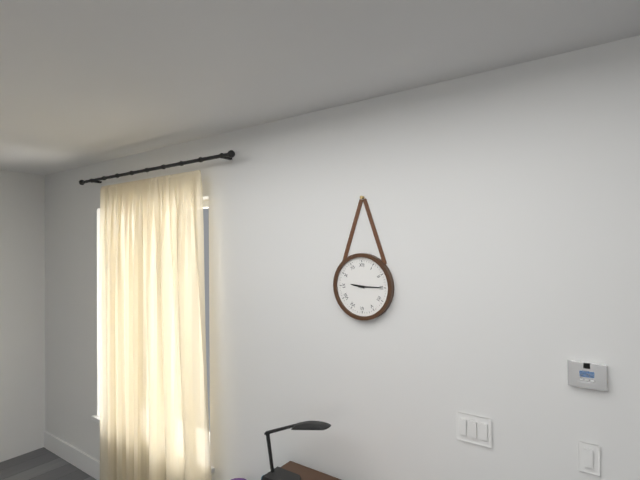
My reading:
h=9 m=15
